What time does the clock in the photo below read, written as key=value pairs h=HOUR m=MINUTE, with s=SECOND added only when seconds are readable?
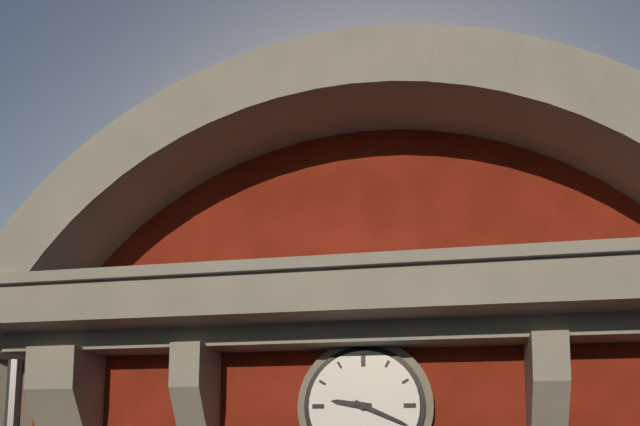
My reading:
h=9 m=19
